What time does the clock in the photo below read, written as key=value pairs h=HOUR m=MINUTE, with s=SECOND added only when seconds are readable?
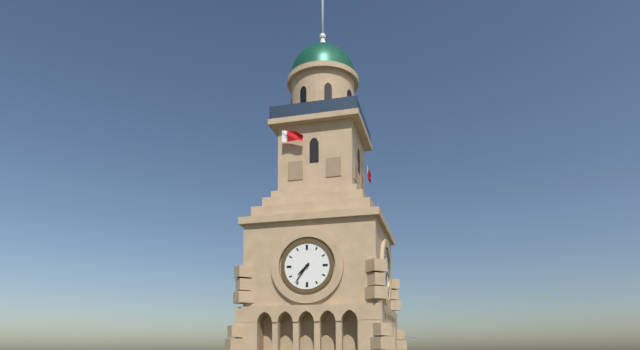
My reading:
h=7 m=36
